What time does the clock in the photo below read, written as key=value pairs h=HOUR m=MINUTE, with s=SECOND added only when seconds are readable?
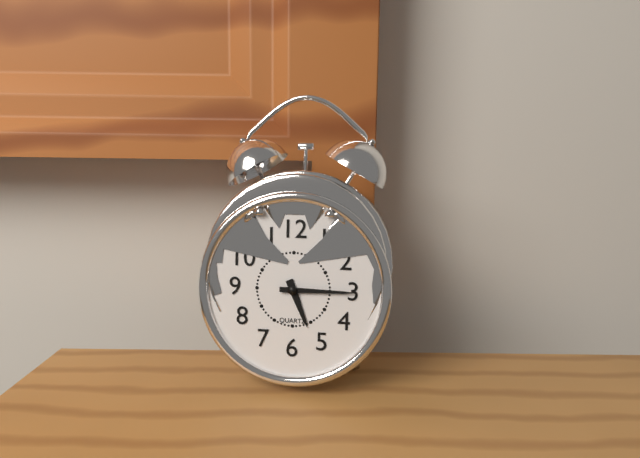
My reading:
h=5 m=15
